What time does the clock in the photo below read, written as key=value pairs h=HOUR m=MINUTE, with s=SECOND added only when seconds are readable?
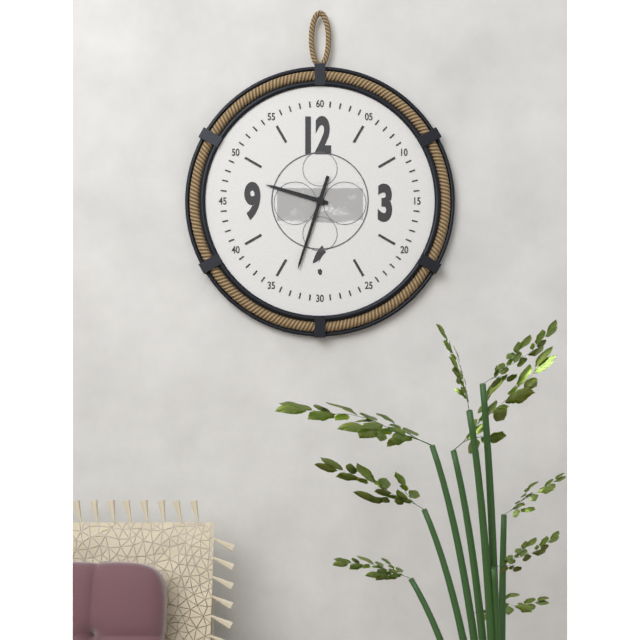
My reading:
h=9 m=33
